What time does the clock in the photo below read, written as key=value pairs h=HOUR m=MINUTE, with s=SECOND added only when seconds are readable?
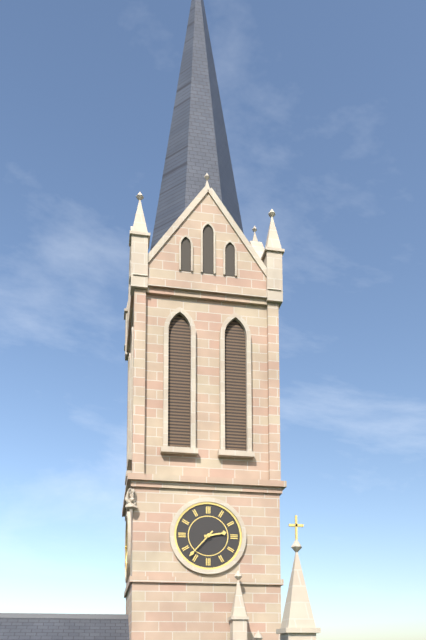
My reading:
h=2 m=37
